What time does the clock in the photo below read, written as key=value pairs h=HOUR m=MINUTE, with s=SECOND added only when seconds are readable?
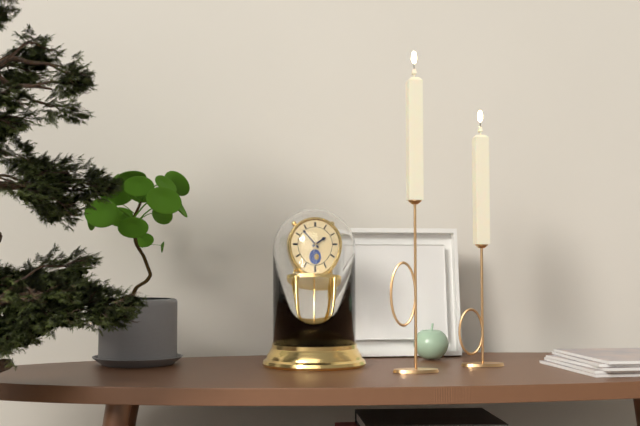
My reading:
h=1 m=53
